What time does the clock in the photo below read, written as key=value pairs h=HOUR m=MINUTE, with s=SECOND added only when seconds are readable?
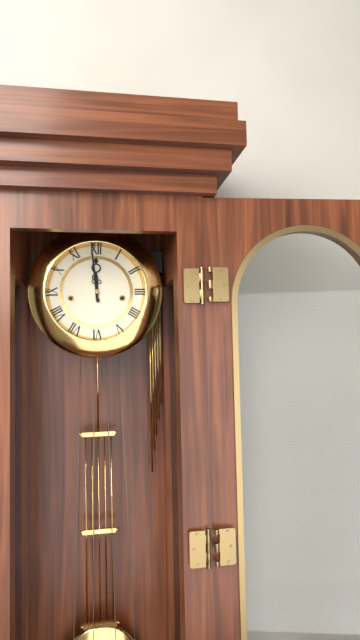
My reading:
h=11 m=59
